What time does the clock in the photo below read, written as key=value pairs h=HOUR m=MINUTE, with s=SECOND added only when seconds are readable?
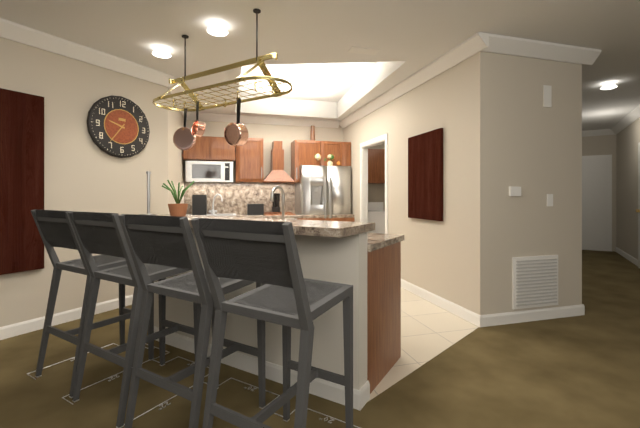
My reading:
h=9 m=36
